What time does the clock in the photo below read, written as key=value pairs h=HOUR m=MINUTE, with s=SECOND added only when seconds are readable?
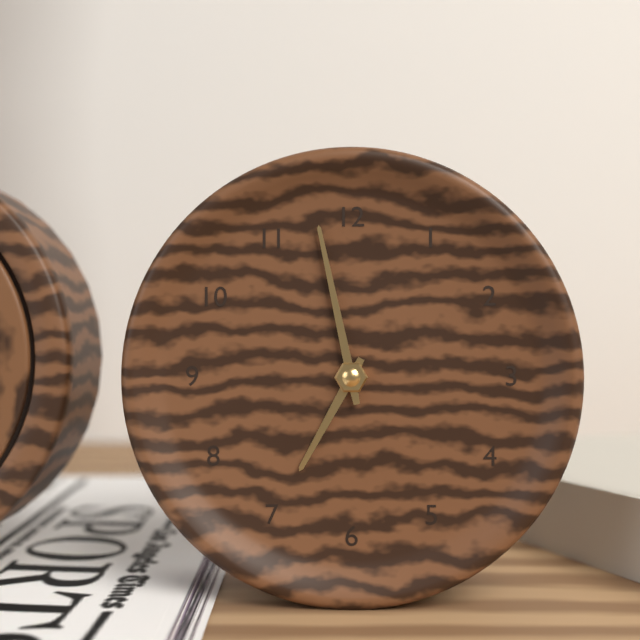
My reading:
h=6 m=58
